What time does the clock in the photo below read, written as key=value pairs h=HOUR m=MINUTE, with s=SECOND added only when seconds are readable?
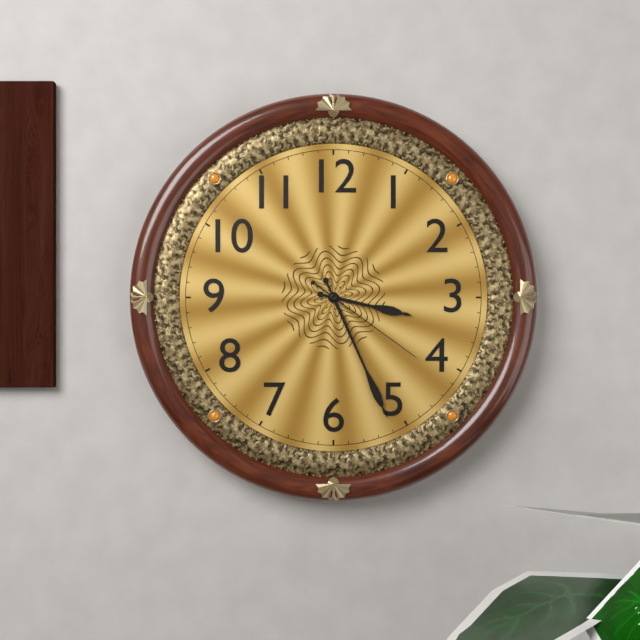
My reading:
h=3 m=26 s=21
